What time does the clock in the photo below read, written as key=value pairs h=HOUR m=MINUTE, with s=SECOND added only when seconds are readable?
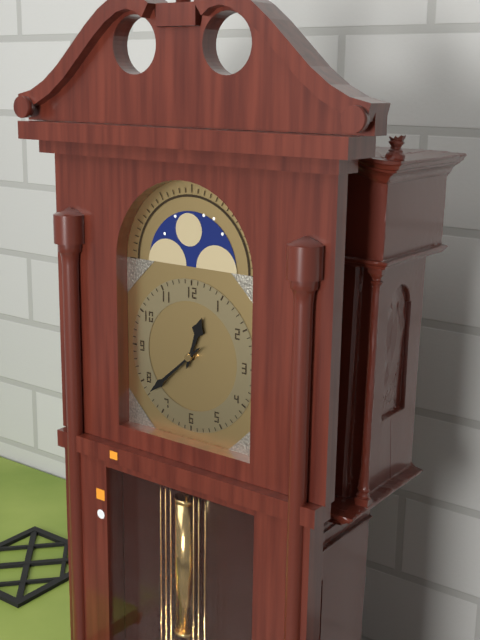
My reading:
h=12 m=38
